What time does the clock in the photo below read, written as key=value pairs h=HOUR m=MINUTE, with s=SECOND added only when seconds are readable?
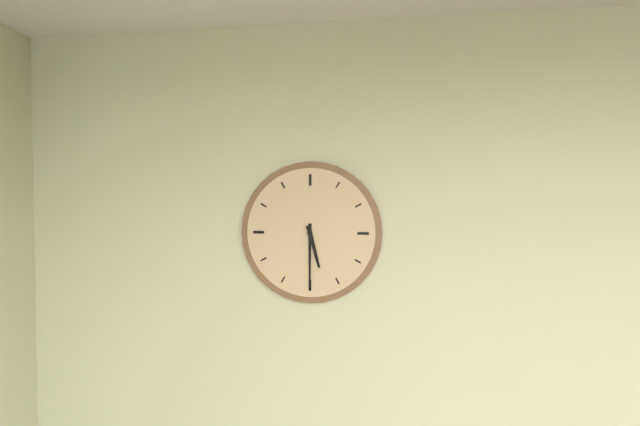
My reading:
h=5 m=30
